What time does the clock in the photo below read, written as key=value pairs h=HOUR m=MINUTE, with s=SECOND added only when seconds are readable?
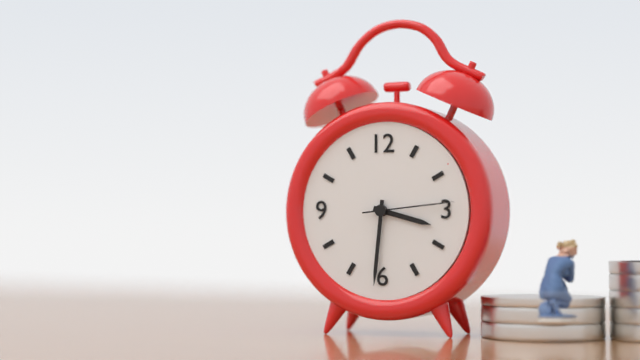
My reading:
h=3 m=31 s=14
